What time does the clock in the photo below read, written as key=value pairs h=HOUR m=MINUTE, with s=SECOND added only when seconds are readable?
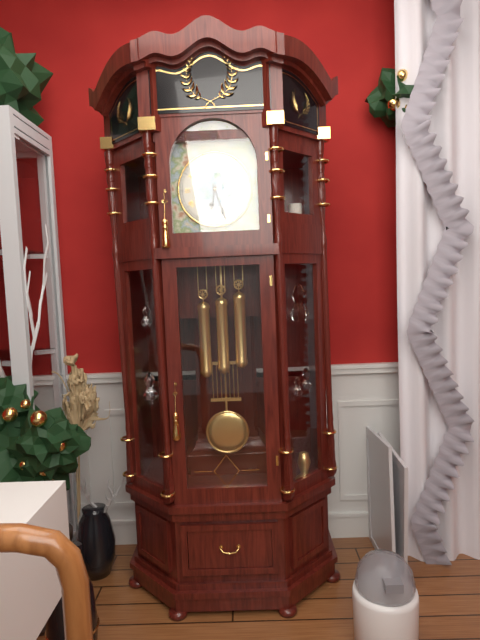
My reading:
h=6 m=27
